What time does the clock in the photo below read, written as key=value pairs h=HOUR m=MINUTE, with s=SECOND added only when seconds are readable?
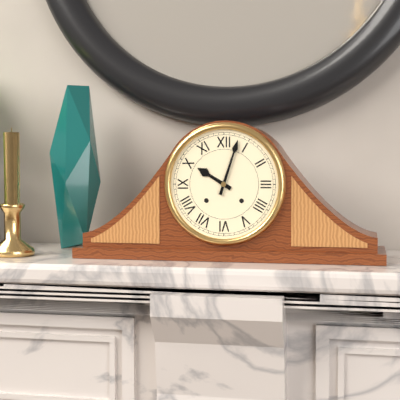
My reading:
h=10 m=3
